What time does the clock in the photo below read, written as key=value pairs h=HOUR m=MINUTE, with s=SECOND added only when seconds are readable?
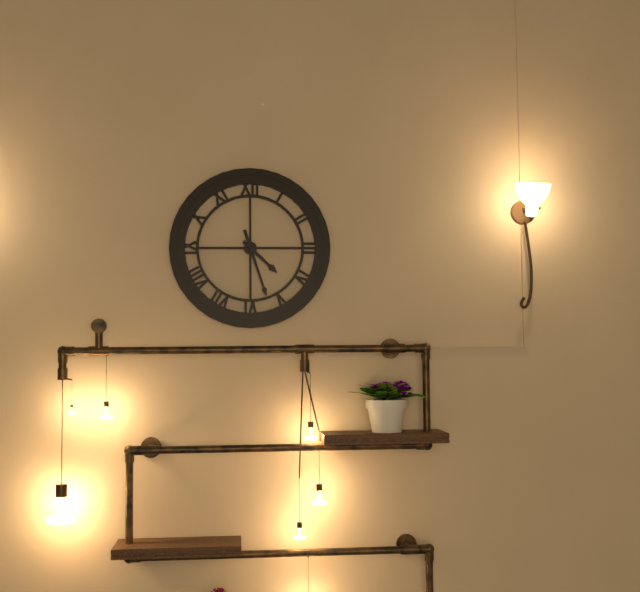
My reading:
h=4 m=27
